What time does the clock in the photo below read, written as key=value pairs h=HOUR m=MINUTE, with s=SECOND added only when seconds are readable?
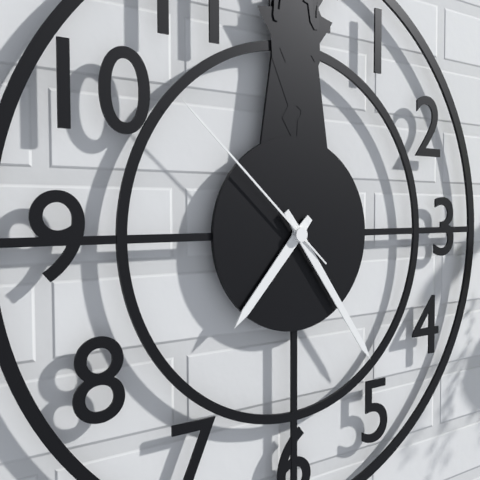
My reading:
h=7 m=24 s=52
